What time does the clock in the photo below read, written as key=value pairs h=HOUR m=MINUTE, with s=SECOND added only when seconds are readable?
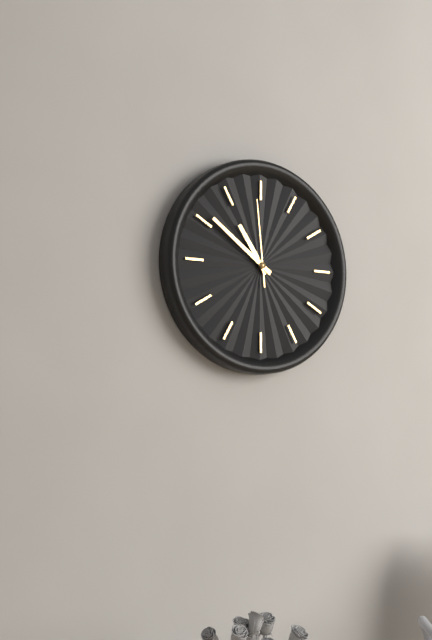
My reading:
h=10 m=51 s=59
